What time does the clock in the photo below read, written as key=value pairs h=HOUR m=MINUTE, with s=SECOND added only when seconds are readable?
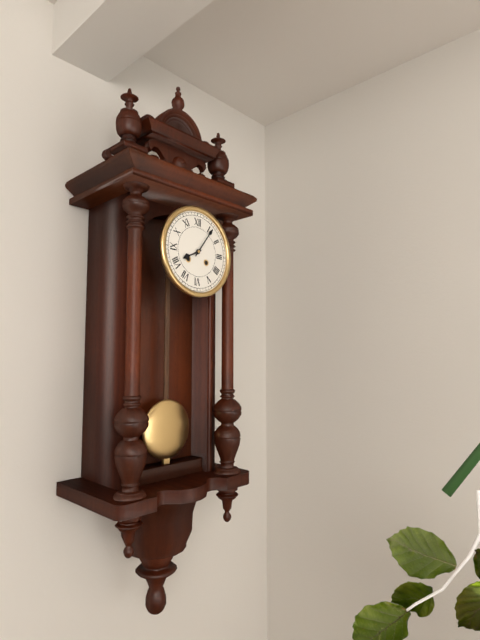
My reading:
h=8 m=6
